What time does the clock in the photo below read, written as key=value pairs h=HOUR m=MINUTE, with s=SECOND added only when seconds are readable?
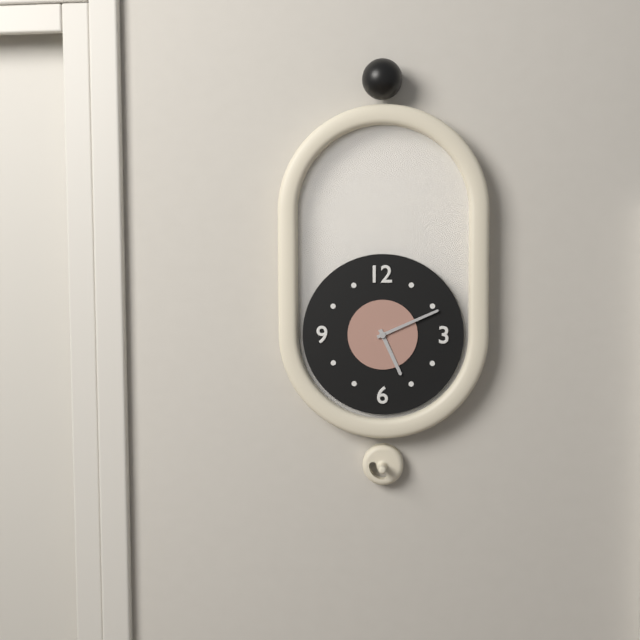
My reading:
h=5 m=11
